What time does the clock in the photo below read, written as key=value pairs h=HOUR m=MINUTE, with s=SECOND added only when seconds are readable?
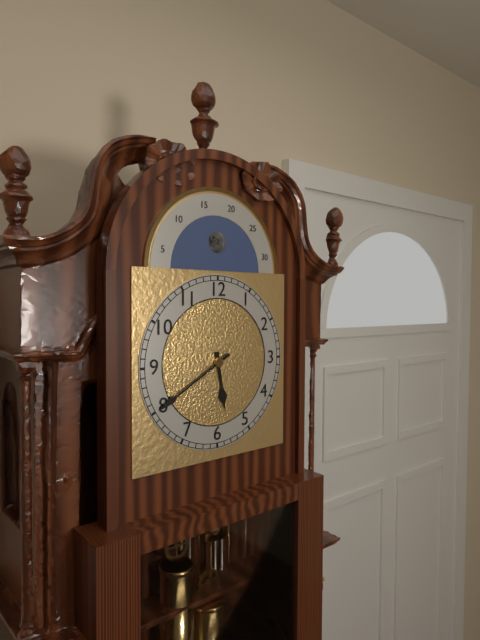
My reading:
h=5 m=40
